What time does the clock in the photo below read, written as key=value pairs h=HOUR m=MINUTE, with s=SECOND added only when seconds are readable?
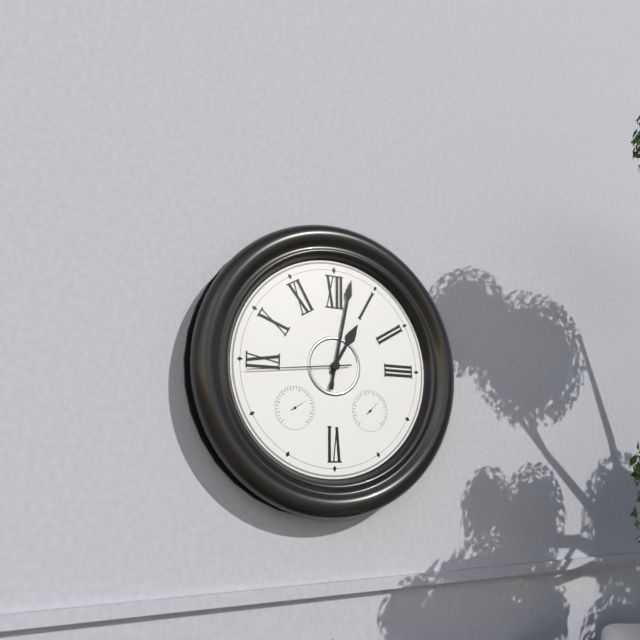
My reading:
h=1 m=2 s=44
